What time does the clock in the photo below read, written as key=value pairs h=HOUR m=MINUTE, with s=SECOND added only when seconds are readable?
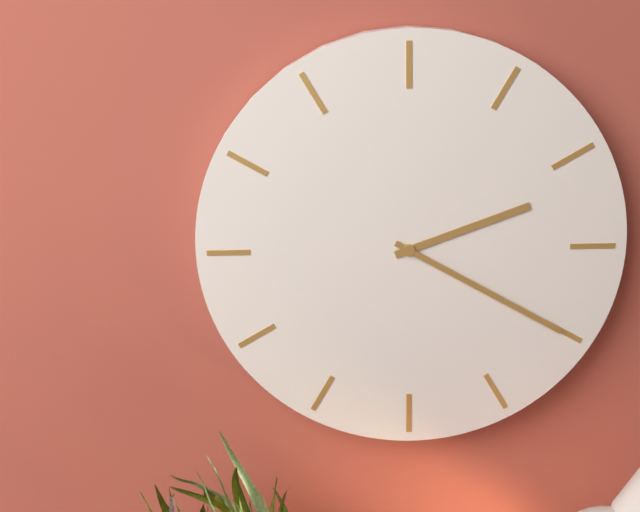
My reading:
h=2 m=20
